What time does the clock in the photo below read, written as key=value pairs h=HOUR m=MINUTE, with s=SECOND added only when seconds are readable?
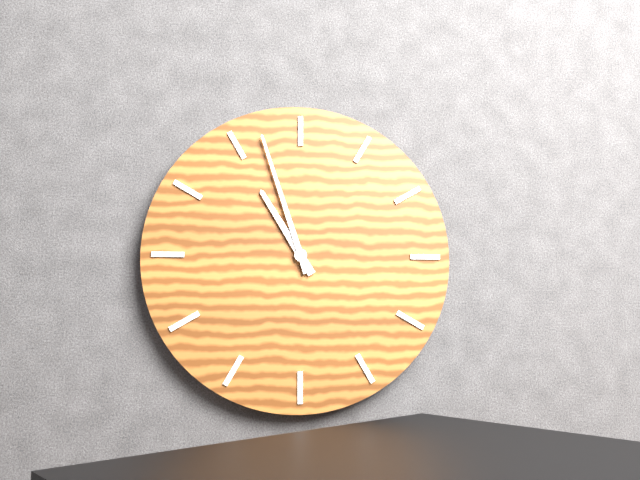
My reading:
h=10 m=57
